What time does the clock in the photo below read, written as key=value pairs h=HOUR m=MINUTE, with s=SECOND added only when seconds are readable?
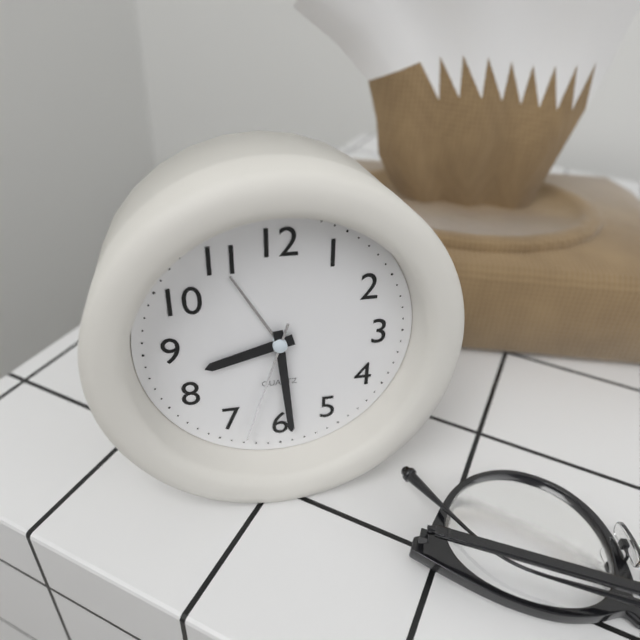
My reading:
h=8 m=29 s=33
